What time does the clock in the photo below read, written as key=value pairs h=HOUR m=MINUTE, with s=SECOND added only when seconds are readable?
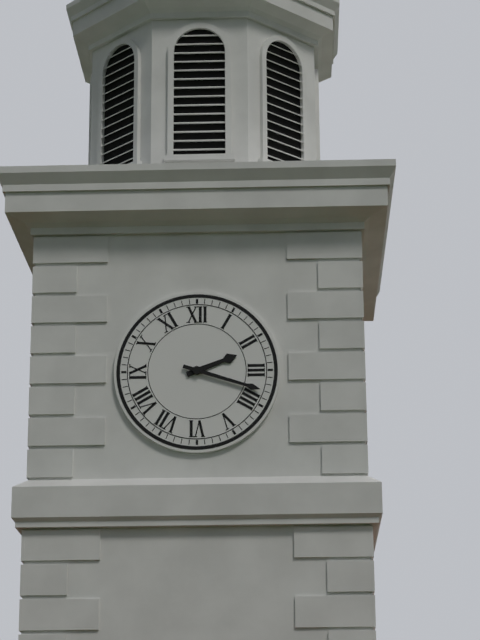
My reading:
h=2 m=18
